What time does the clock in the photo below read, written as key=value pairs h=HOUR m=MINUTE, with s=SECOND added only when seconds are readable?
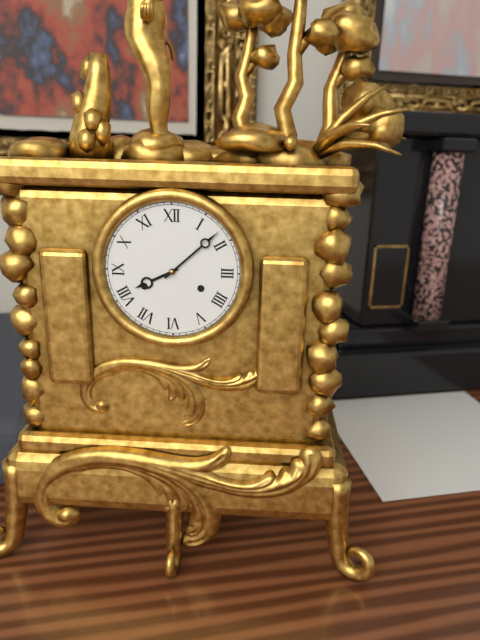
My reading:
h=8 m=8
